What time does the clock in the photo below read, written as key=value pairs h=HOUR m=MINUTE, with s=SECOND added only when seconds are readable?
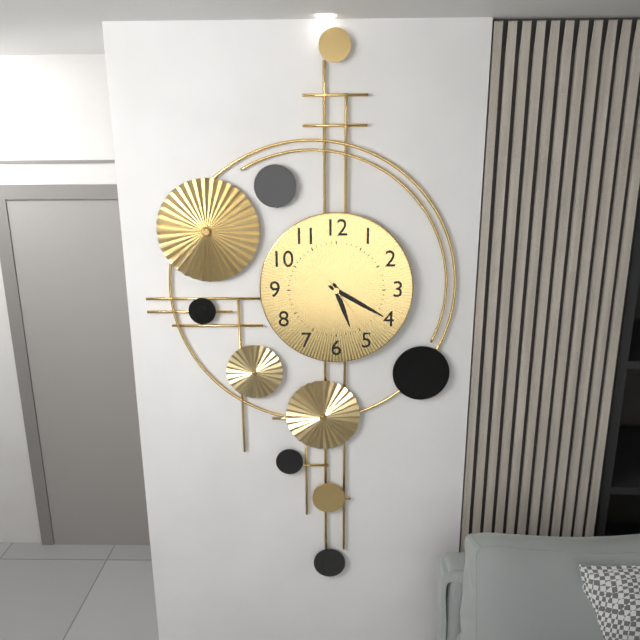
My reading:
h=5 m=20 s=24
